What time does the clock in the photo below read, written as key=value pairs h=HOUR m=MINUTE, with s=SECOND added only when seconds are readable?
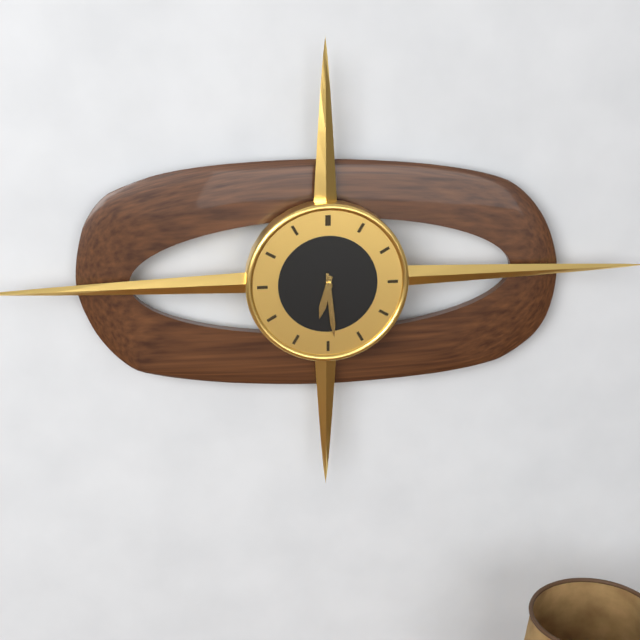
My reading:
h=6 m=29
